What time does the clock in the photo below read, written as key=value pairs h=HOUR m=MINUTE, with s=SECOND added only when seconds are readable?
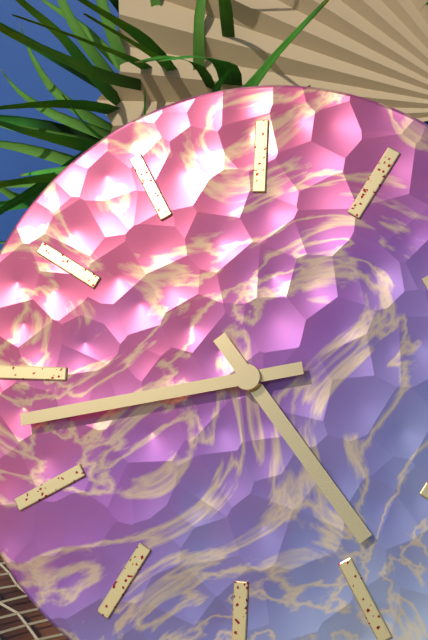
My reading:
h=4 m=43
